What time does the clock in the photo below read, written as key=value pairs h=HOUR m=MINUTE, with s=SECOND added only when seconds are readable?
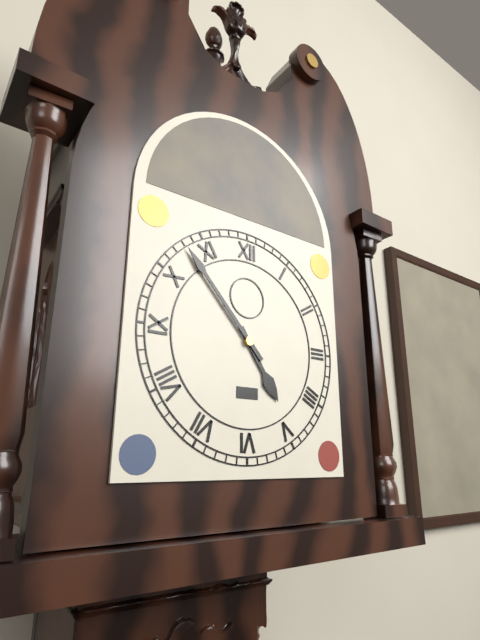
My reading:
h=4 m=53
